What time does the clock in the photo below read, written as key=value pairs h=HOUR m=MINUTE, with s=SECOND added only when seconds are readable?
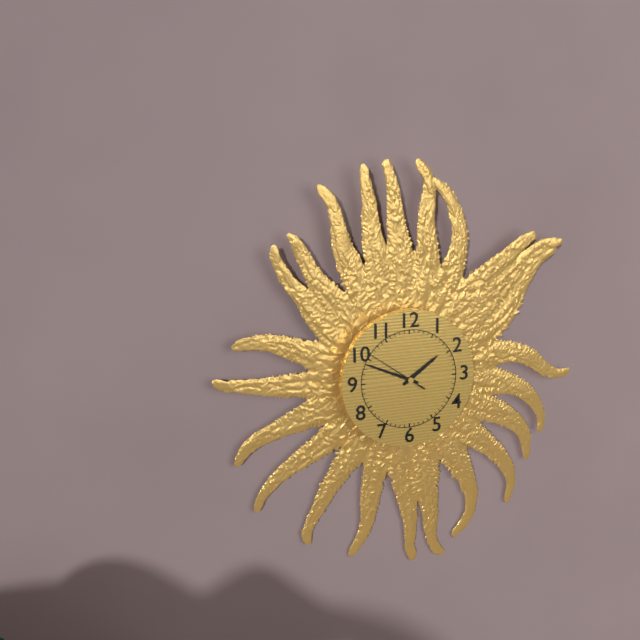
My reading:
h=1 m=49
